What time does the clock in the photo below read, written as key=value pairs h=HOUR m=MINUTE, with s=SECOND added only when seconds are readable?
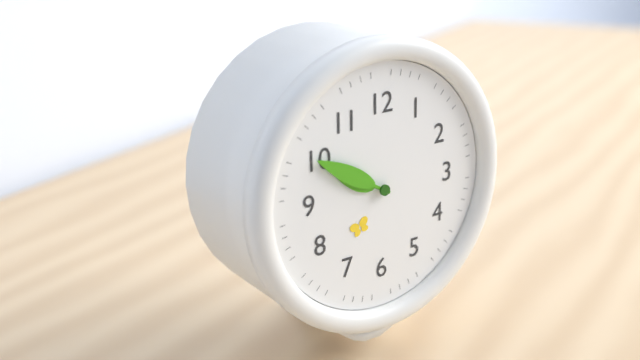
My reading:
h=9 m=50
